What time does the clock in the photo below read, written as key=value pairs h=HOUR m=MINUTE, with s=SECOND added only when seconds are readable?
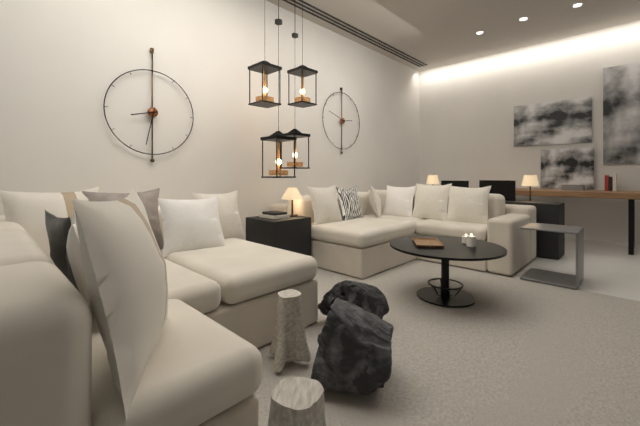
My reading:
h=8 m=32
